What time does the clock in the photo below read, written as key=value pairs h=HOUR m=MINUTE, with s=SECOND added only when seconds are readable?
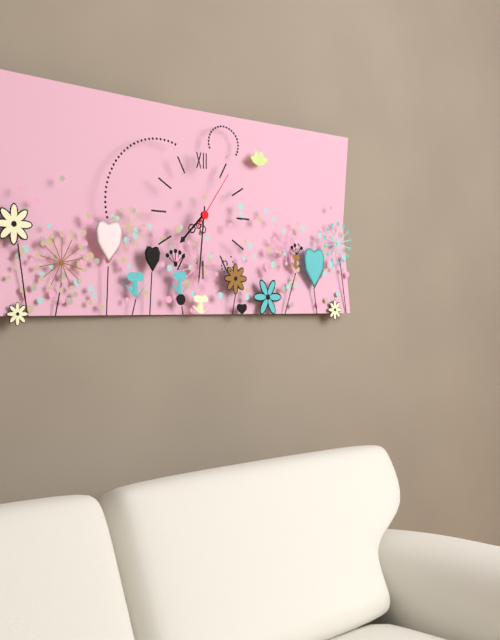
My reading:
h=7 m=31 s=6
